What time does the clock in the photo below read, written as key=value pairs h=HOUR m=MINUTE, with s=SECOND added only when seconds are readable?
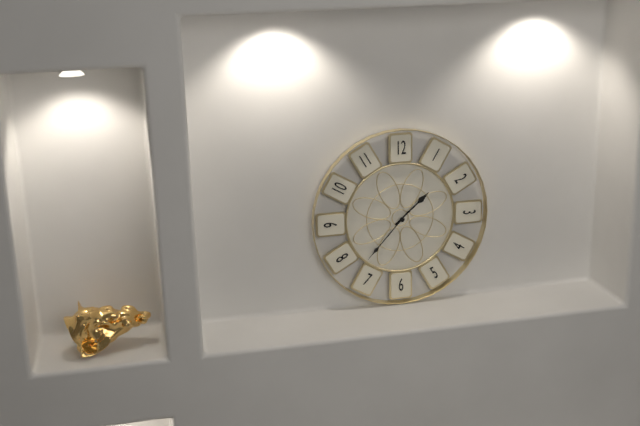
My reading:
h=1 m=37
